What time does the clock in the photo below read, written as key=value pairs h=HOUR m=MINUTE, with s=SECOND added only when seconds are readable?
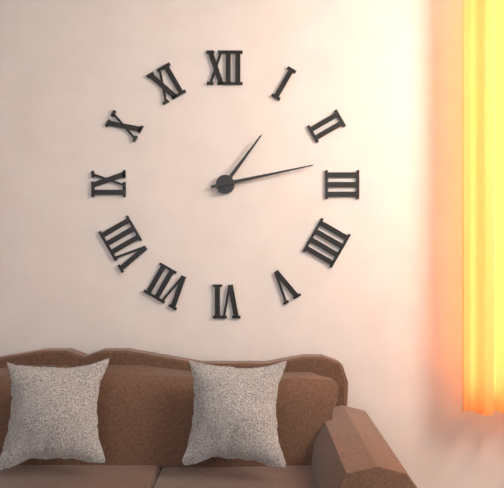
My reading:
h=1 m=13
